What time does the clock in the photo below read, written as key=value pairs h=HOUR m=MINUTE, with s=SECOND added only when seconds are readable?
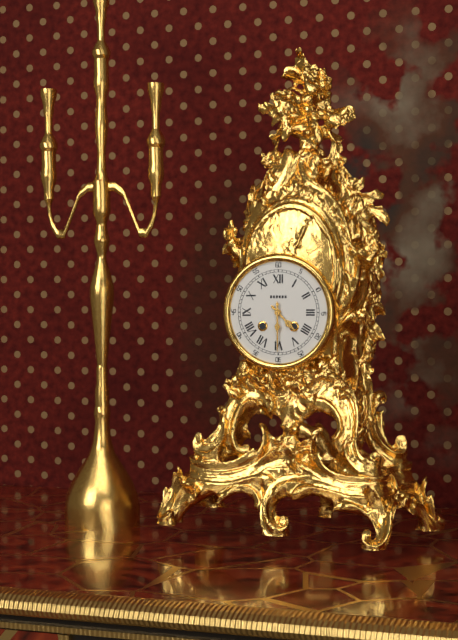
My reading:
h=4 m=30
